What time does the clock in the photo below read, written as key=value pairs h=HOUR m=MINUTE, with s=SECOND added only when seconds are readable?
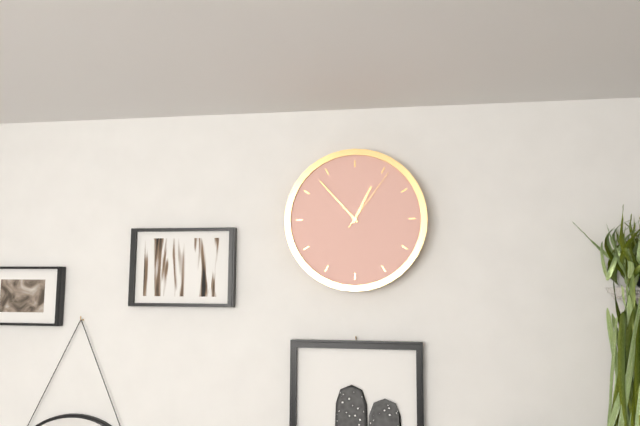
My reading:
h=12 m=53 s=6
